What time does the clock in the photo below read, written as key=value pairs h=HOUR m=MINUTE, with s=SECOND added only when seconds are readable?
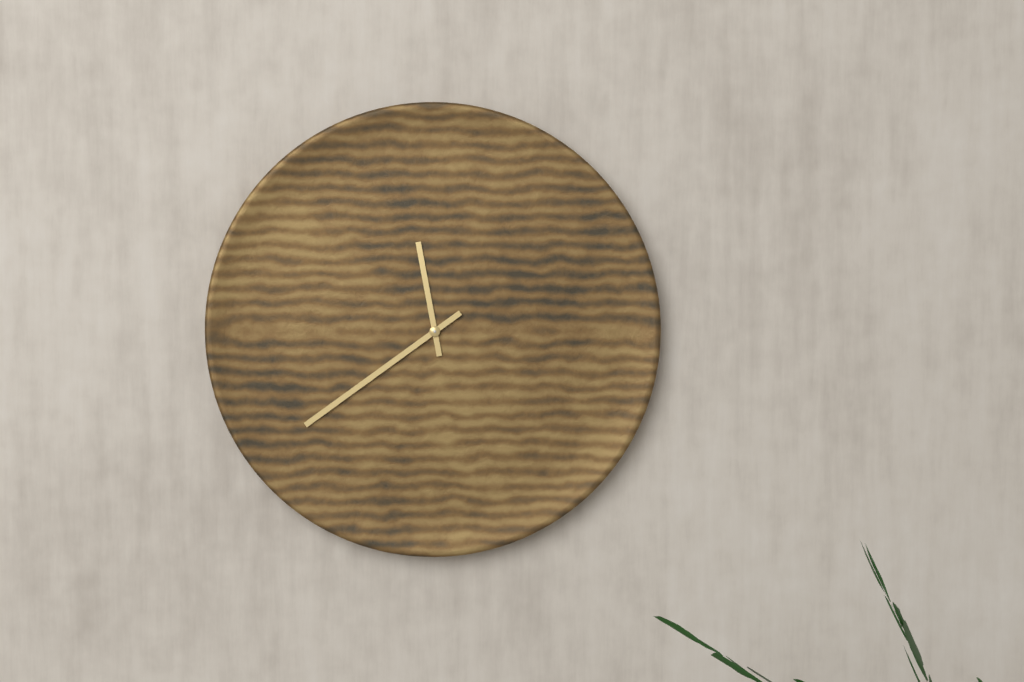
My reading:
h=11 m=39
